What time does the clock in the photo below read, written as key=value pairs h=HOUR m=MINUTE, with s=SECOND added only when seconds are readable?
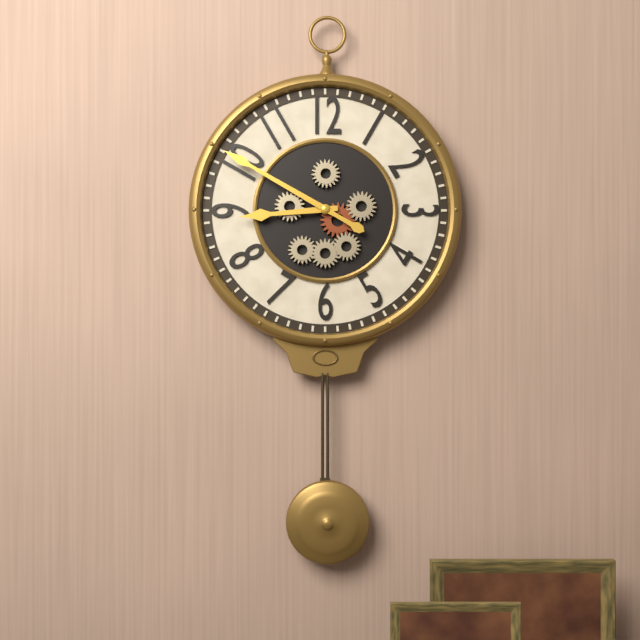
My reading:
h=8 m=50
